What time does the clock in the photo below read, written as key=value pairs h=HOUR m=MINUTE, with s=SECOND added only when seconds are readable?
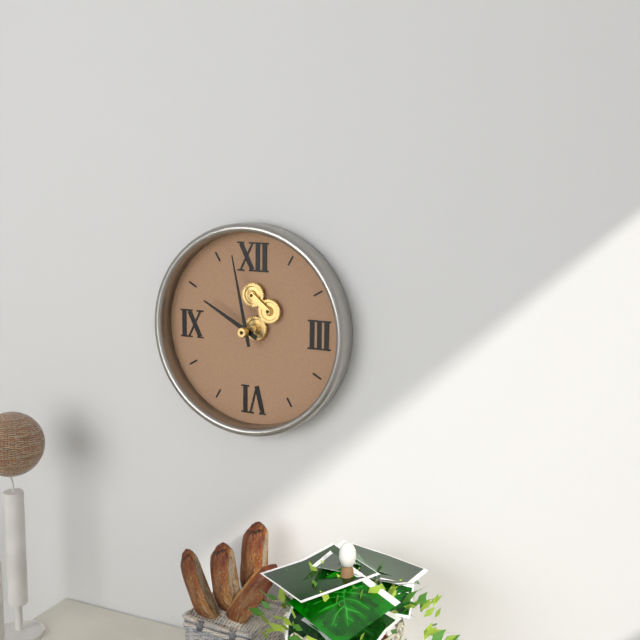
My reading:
h=9 m=58
